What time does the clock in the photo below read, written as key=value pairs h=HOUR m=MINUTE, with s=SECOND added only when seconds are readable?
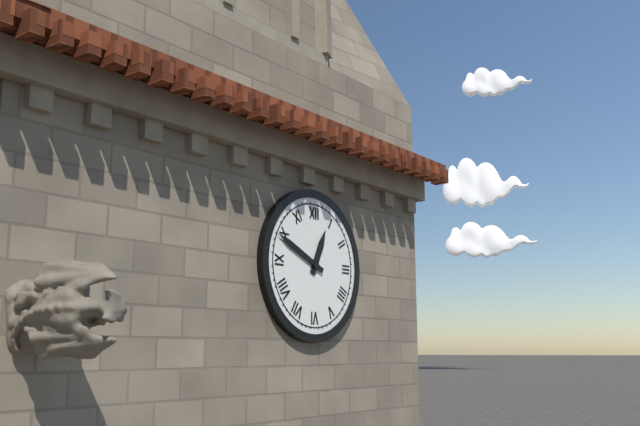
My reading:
h=12 m=49
